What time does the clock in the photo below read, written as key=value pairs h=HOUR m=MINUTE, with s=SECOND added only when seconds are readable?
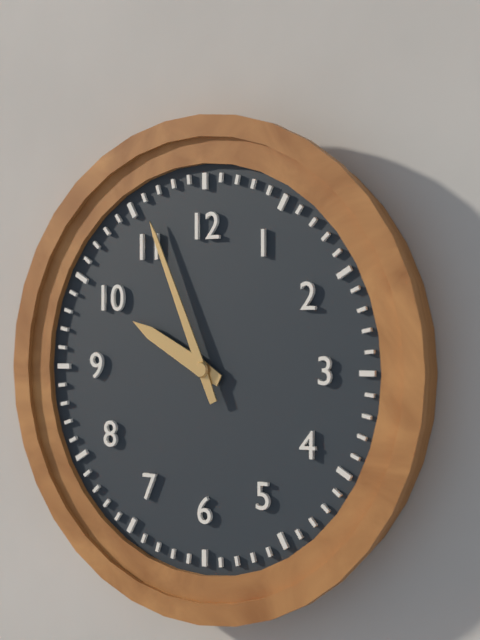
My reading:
h=9 m=56
